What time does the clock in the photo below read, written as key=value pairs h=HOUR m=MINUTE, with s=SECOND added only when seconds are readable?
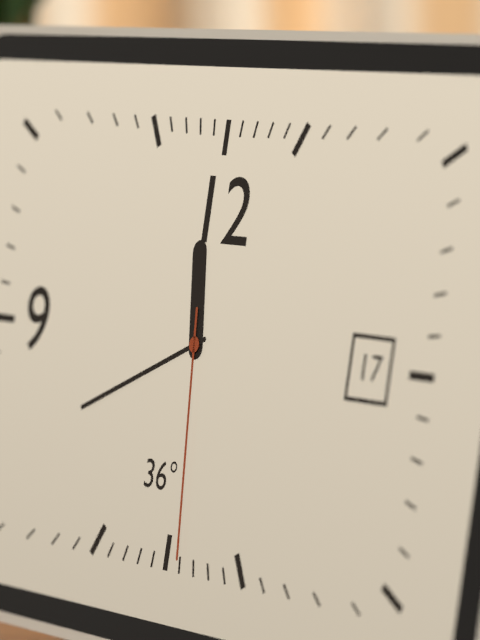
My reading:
h=11 m=41 s=29
